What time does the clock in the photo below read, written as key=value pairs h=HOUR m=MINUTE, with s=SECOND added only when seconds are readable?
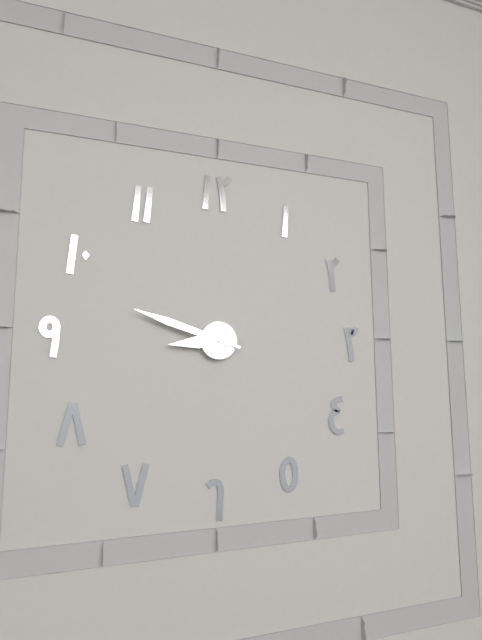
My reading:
h=8 m=48 s=48
